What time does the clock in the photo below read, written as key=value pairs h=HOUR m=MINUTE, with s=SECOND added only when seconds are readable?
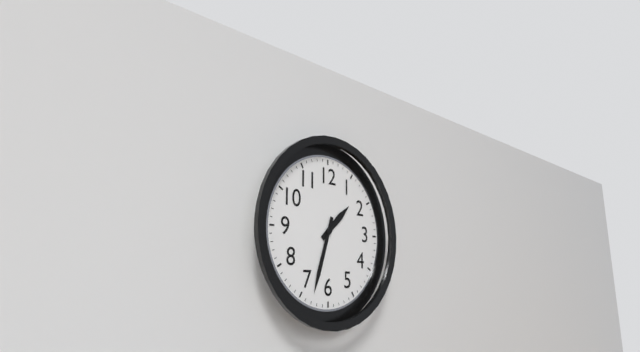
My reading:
h=1 m=33
